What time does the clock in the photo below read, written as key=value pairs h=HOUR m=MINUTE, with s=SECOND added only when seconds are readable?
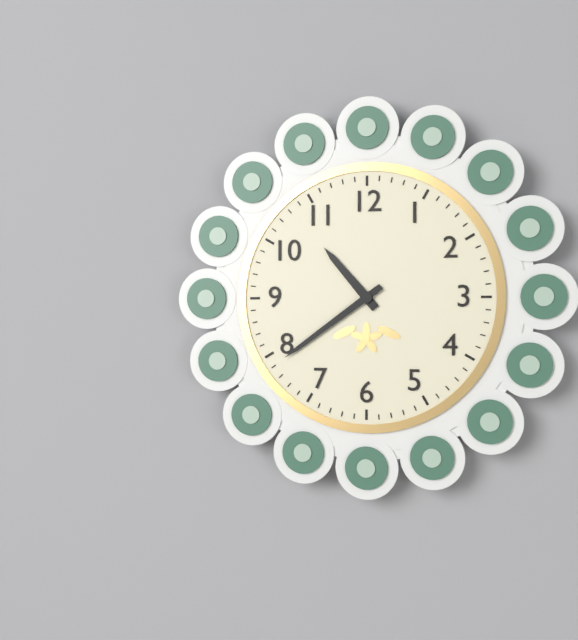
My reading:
h=10 m=39
